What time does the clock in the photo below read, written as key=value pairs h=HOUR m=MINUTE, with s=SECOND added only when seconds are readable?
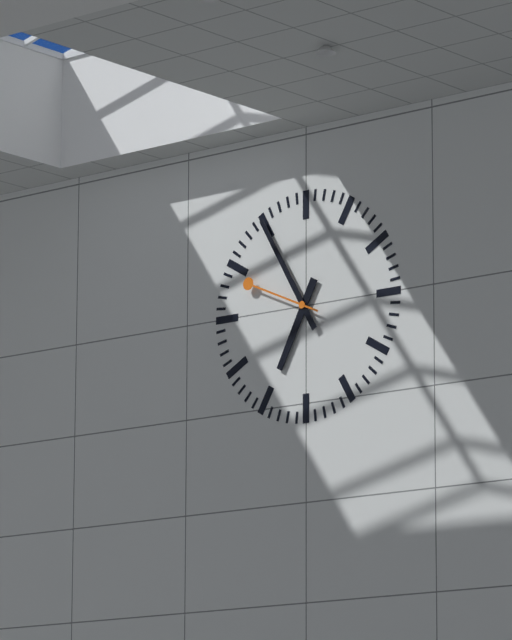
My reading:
h=6 m=55 s=49
